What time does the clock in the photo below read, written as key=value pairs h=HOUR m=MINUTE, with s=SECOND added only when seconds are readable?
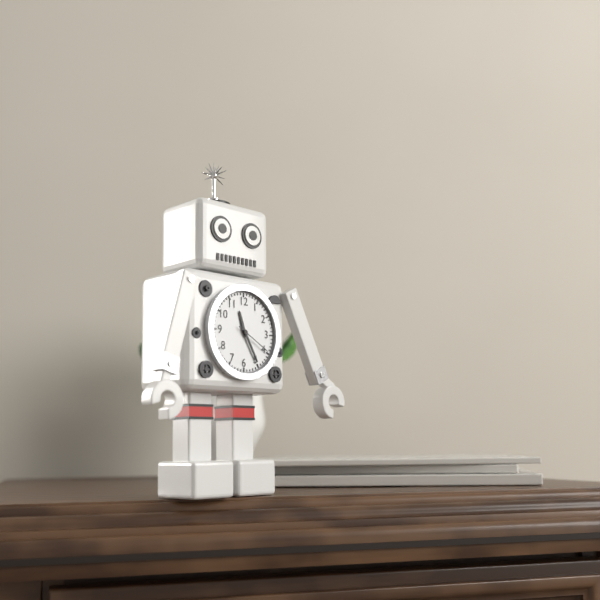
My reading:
h=11 m=25 s=20
